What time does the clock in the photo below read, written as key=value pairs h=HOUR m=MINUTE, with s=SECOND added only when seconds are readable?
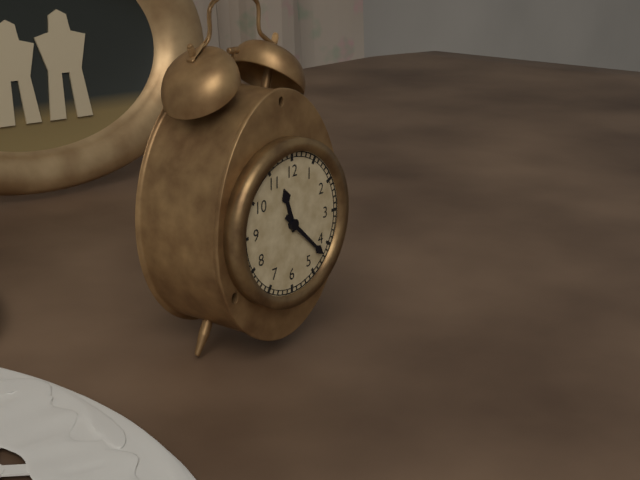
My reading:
h=11 m=22
